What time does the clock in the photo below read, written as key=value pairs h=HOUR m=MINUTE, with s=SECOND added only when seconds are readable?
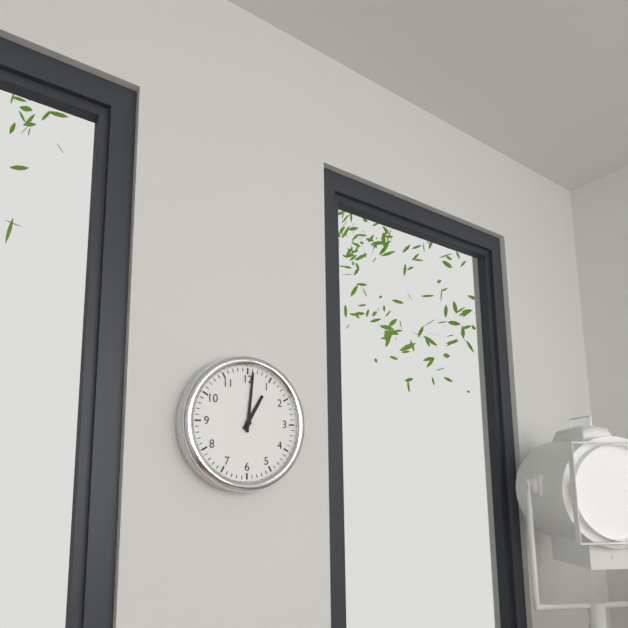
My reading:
h=1 m=1
